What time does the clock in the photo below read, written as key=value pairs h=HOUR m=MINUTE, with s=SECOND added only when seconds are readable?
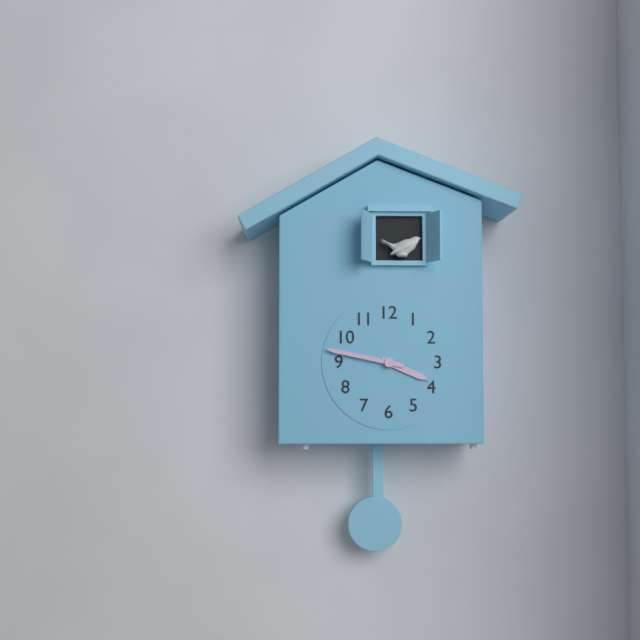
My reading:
h=3 m=47
